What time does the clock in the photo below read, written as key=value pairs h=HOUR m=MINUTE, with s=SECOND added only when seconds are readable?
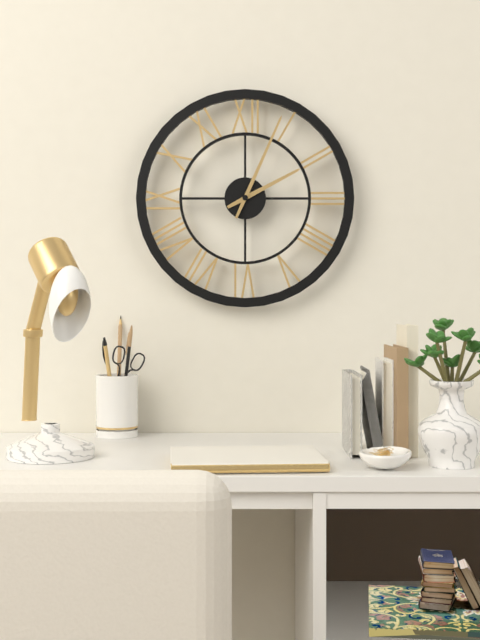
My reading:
h=2 m=4
